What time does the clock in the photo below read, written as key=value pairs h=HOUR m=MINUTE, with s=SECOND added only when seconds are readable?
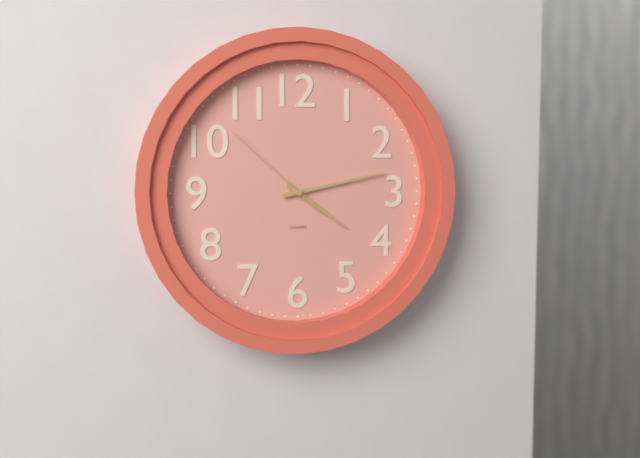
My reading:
h=4 m=13 s=52
